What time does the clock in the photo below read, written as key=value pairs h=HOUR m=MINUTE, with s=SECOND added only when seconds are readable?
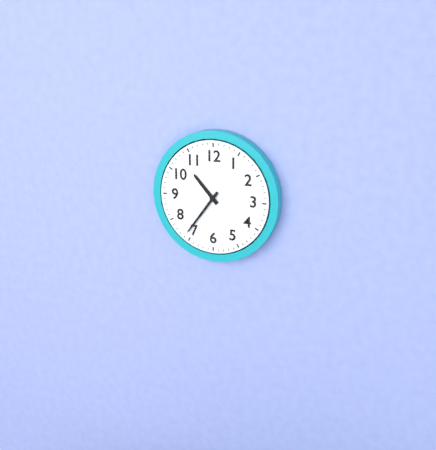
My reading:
h=10 m=36
